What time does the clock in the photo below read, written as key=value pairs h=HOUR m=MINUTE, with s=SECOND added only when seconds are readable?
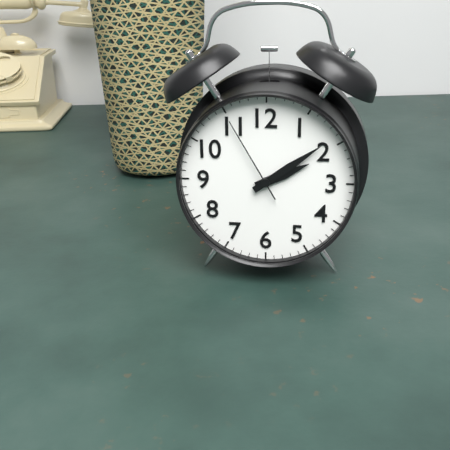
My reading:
h=2 m=9 s=55
